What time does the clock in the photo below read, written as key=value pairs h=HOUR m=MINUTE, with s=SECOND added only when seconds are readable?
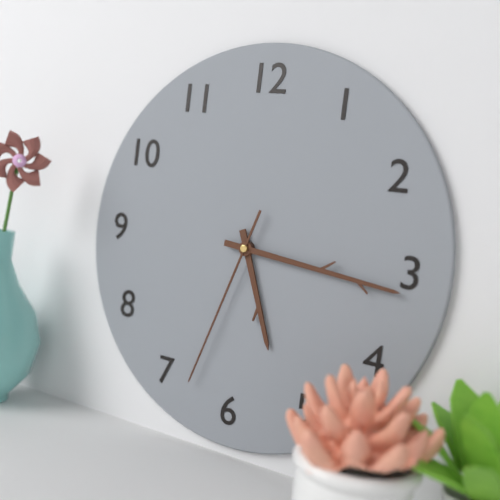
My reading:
h=5 m=16 s=33
